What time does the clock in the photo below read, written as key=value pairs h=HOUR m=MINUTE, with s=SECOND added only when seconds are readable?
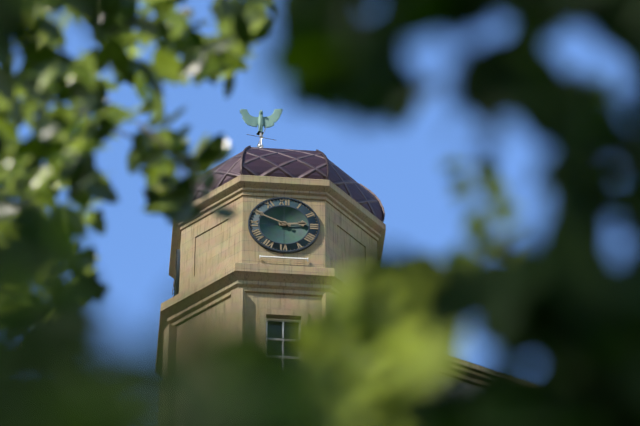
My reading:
h=2 m=49
